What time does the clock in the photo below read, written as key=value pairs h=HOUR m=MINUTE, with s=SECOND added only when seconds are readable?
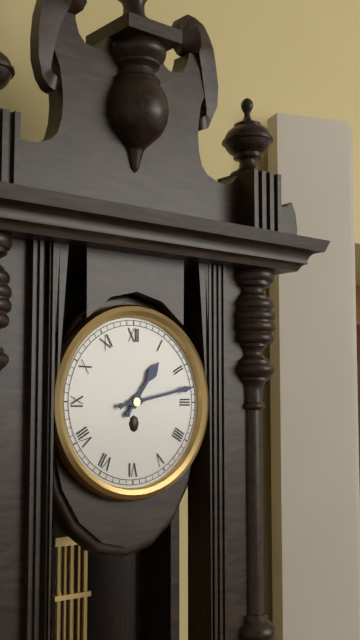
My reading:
h=1 m=13
